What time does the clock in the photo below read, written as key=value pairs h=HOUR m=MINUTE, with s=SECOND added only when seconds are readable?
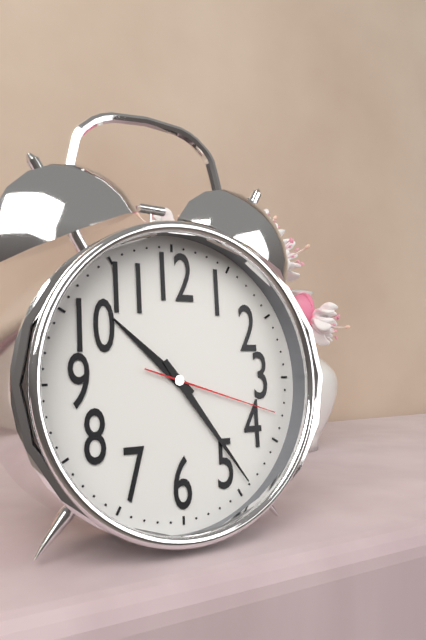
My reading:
h=10 m=24 s=18
